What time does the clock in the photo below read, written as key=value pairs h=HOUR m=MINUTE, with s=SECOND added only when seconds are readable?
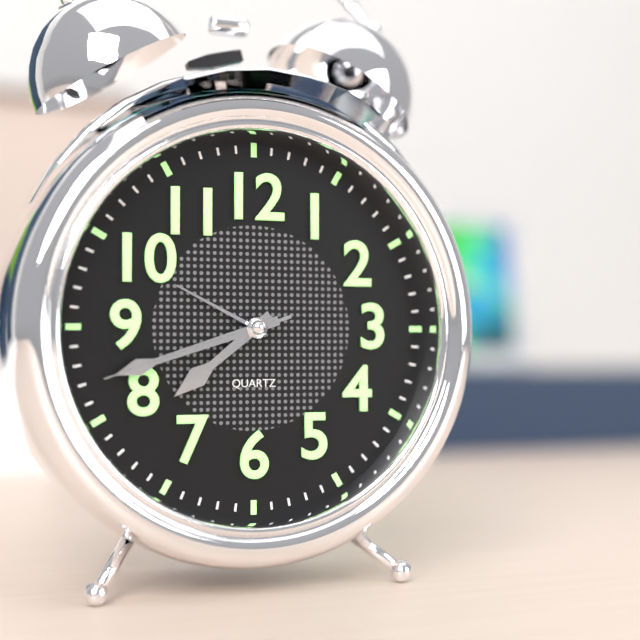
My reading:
h=7 m=42 s=42
